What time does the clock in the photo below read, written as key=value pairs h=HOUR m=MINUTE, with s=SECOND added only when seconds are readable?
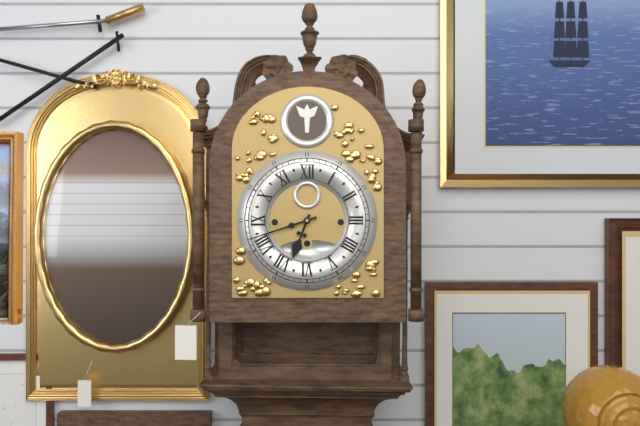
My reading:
h=6 m=42
